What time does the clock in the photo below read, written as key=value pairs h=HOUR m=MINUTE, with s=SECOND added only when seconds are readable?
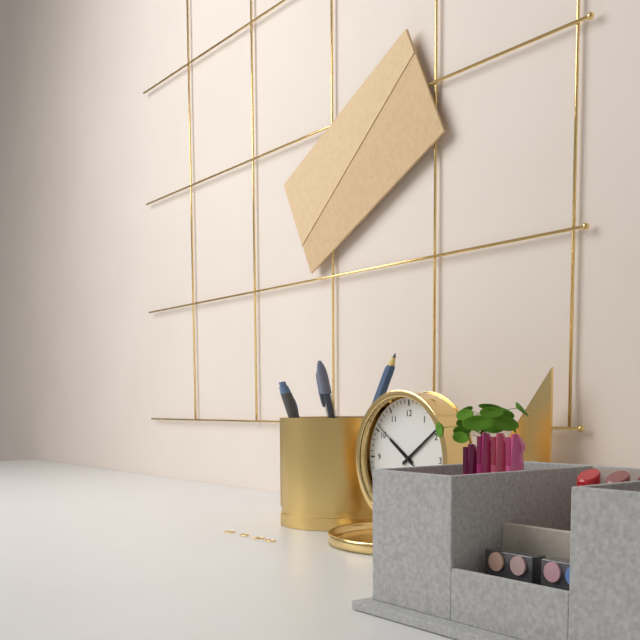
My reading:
h=10 m=9 s=51
